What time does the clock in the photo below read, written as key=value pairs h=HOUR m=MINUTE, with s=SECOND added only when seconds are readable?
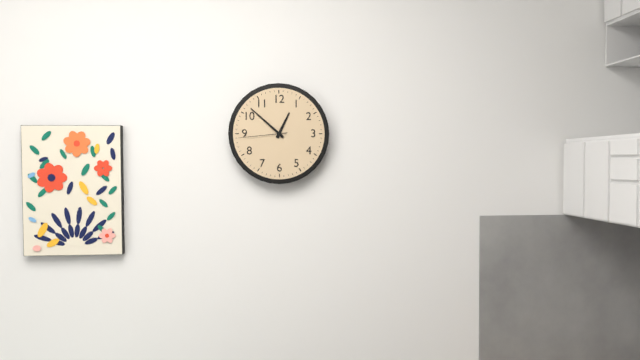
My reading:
h=12 m=52 s=44
